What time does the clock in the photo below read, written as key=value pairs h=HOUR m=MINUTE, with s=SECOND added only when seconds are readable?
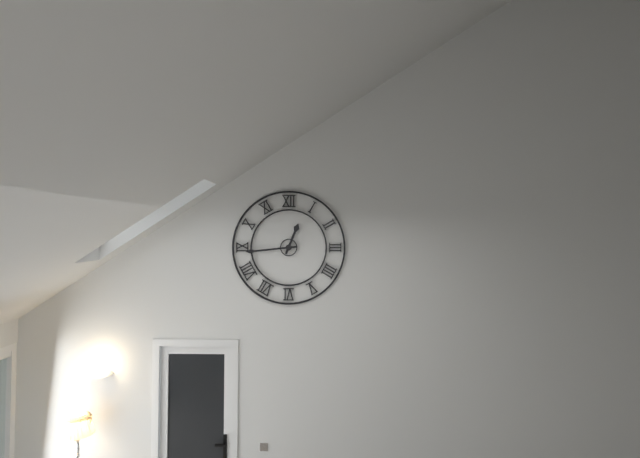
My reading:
h=12 m=44
